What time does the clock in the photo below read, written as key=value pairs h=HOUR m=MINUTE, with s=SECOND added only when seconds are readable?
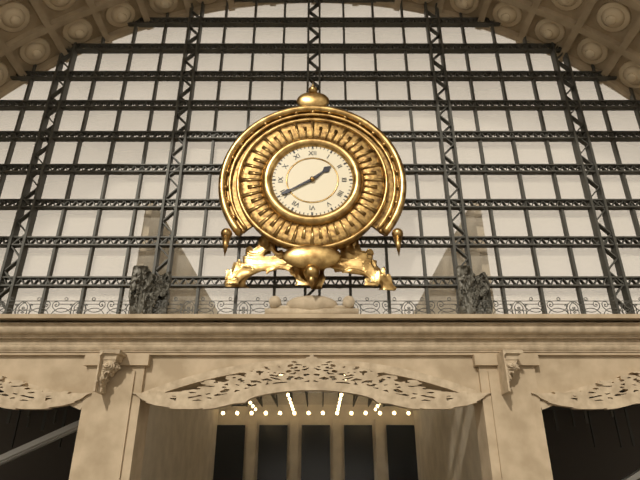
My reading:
h=1 m=40
